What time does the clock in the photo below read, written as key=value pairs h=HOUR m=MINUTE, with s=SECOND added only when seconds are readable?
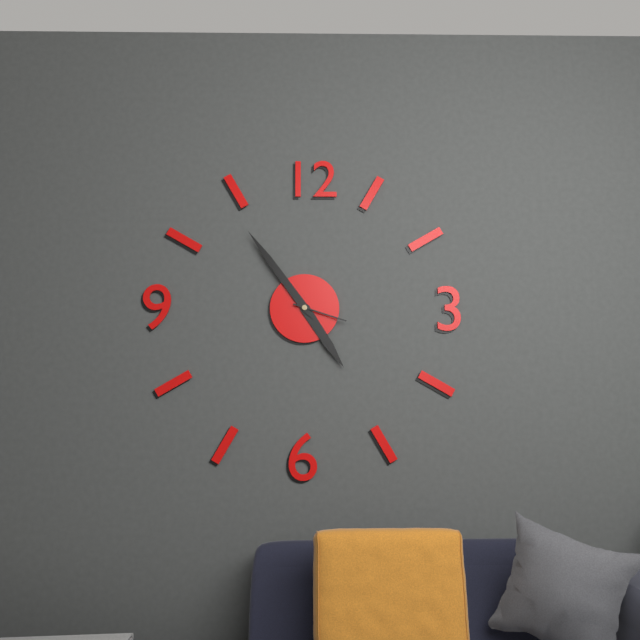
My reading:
h=4 m=54 s=18
